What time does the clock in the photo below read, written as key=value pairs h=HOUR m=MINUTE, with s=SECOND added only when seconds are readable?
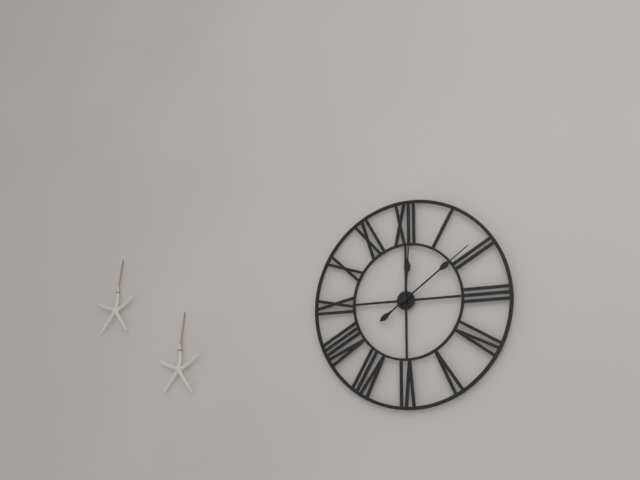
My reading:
h=12 m=9
